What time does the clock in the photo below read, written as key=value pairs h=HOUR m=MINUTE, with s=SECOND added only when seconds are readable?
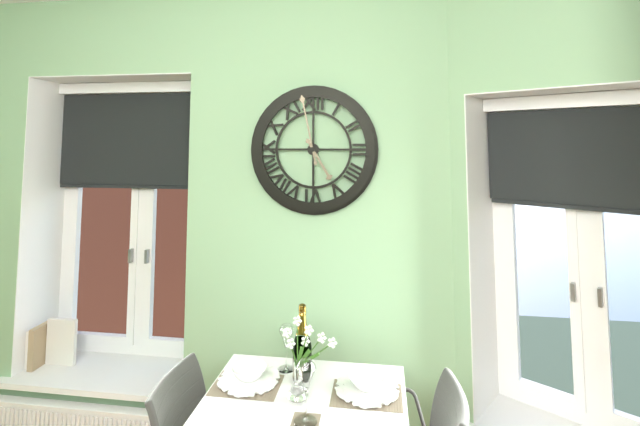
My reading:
h=4 m=58
